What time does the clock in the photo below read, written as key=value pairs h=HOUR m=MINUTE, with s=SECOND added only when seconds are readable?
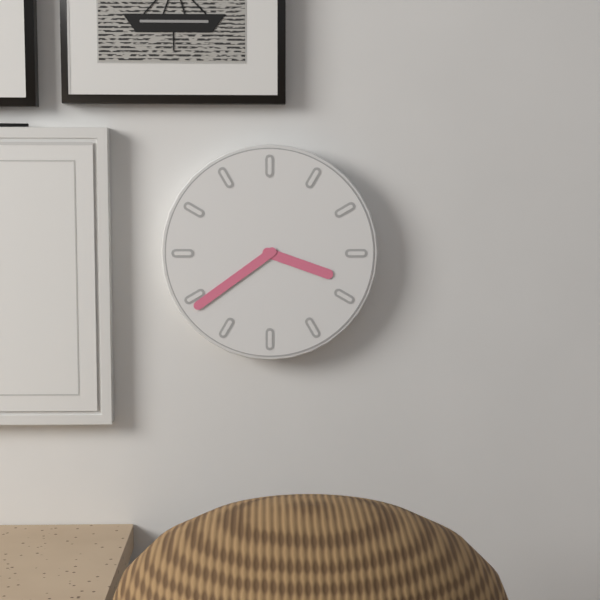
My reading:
h=3 m=39
